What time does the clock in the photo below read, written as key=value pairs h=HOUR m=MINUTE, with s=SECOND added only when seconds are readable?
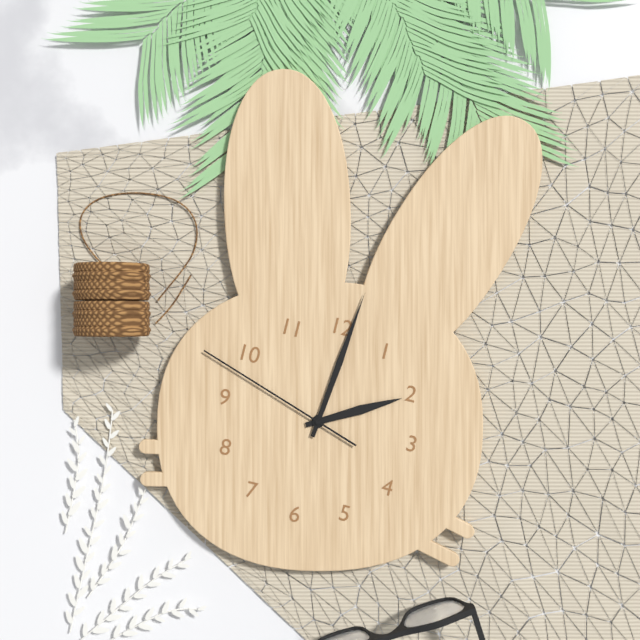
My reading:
h=2 m=1 s=48
